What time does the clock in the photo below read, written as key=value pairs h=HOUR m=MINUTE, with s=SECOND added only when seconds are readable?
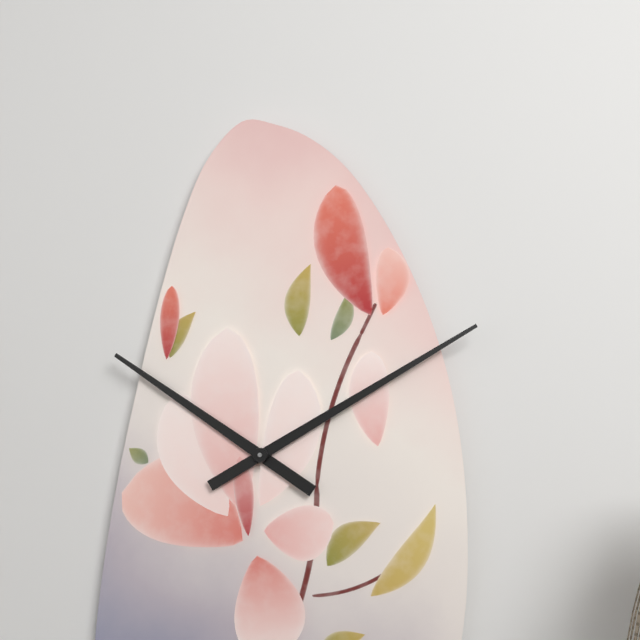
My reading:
h=10 m=10
